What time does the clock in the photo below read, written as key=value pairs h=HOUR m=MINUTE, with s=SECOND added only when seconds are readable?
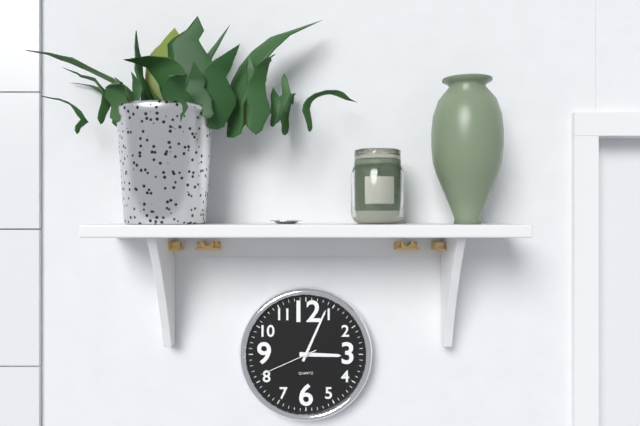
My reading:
h=3 m=4 s=41
